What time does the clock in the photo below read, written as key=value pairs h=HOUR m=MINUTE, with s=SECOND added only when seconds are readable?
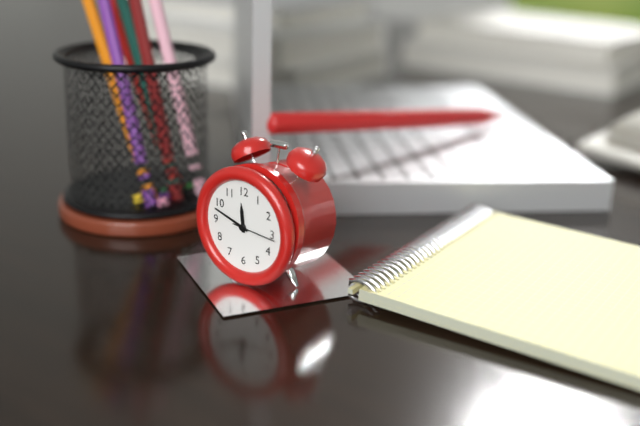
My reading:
h=11 m=48
